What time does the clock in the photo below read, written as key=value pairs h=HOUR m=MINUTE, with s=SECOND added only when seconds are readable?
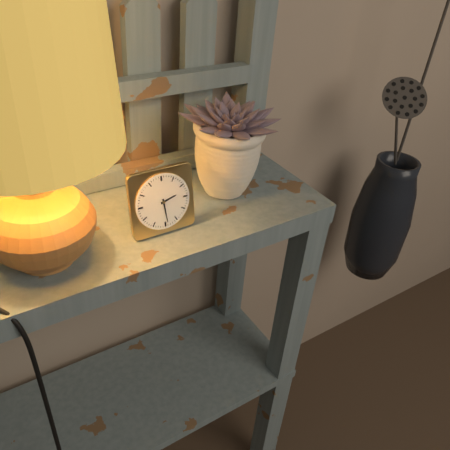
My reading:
h=2 m=29
